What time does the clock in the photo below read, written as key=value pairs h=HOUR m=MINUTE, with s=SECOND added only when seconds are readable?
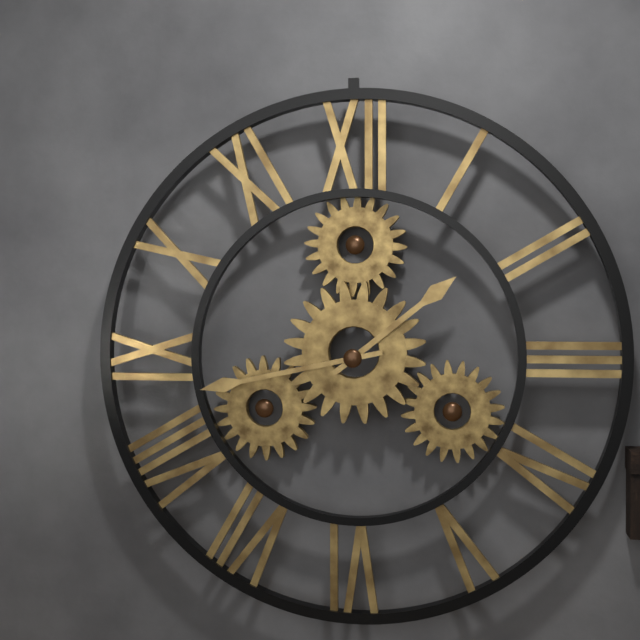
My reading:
h=1 m=43
